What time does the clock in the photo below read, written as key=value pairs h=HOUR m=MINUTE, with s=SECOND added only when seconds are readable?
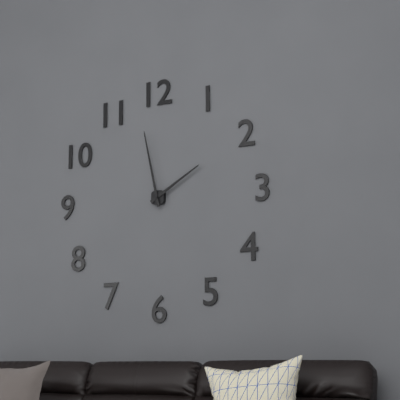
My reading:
h=1 m=58
